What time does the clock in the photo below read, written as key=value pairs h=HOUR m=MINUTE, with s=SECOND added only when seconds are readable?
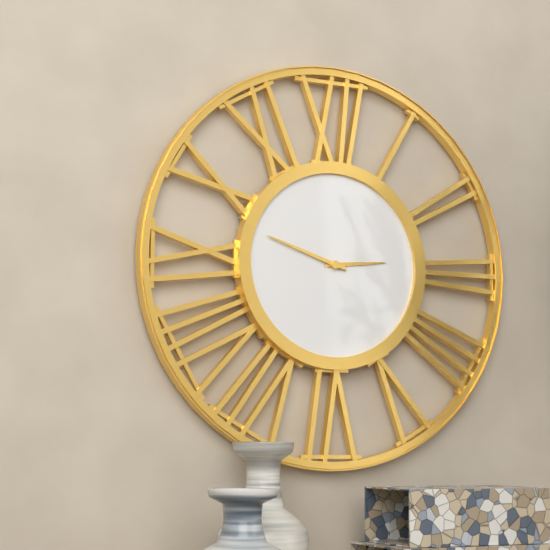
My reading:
h=2 m=48
